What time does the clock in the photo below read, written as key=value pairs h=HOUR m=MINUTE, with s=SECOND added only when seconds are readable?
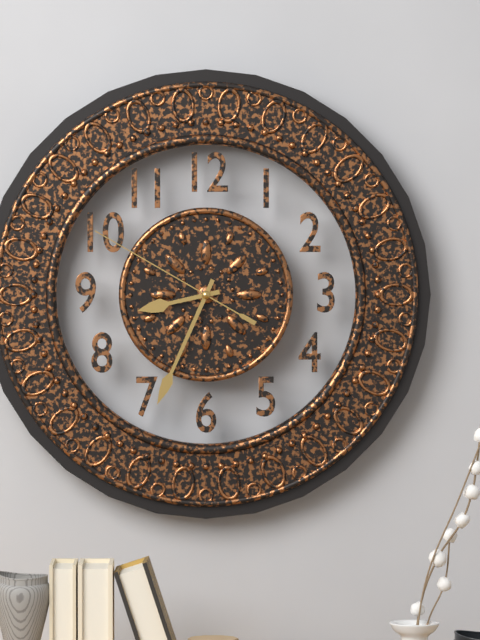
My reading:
h=8 m=34 s=50
